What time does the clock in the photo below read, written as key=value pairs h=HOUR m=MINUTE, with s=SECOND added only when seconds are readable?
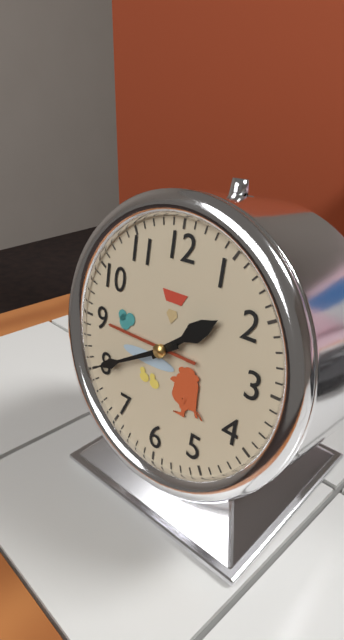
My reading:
h=1 m=40
